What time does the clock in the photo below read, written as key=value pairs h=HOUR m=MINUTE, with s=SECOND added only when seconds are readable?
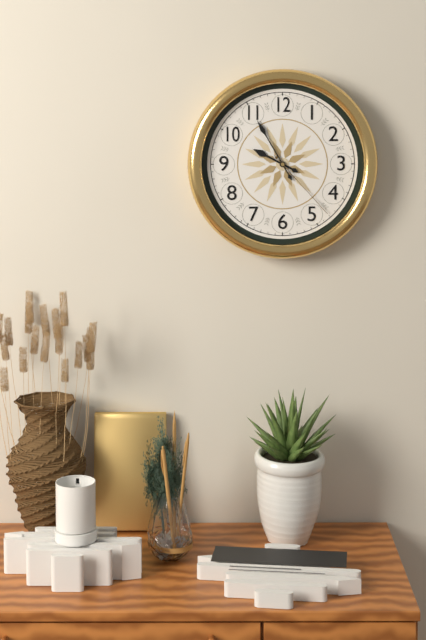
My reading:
h=9 m=55 s=23
